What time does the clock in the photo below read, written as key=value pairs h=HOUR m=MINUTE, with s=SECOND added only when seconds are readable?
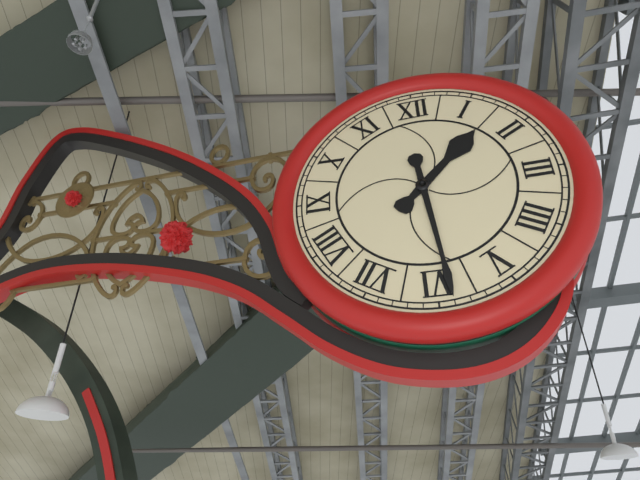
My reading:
h=1 m=29
